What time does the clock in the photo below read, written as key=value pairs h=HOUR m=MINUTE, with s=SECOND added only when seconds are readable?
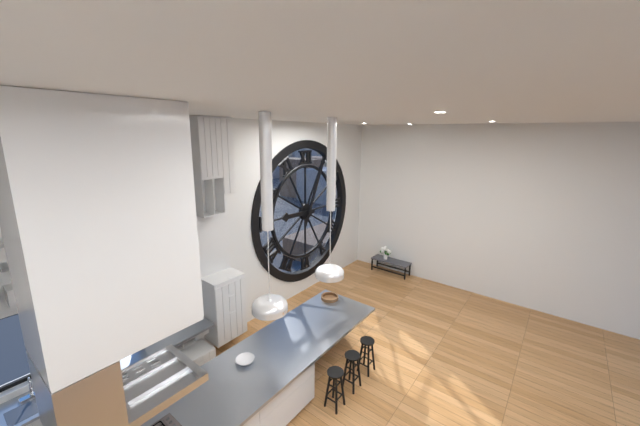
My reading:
h=9 m=4
